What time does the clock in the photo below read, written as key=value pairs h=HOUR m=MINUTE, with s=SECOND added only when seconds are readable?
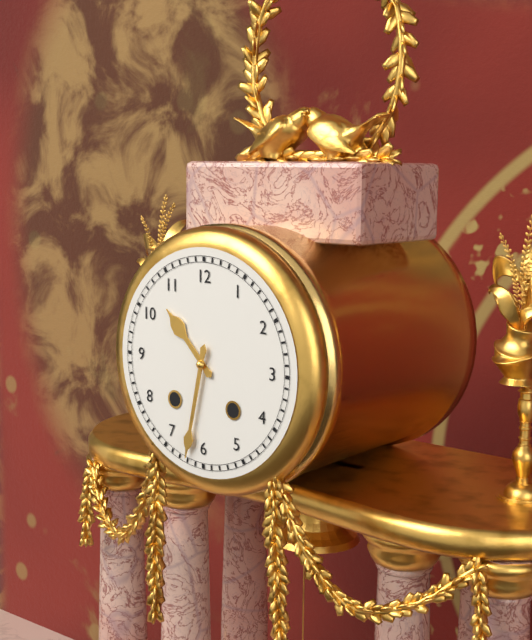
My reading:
h=10 m=32
